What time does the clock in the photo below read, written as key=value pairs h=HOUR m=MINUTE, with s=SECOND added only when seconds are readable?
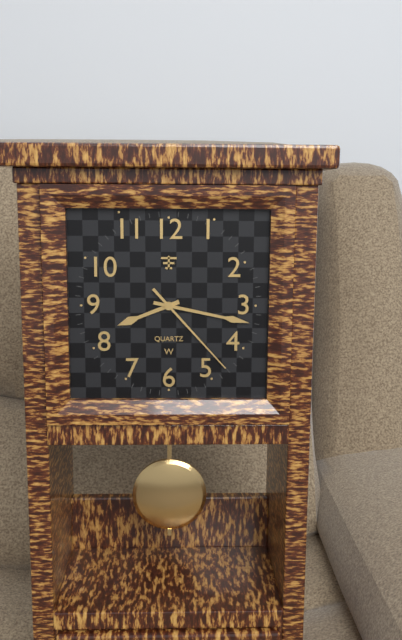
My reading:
h=8 m=17 s=23
